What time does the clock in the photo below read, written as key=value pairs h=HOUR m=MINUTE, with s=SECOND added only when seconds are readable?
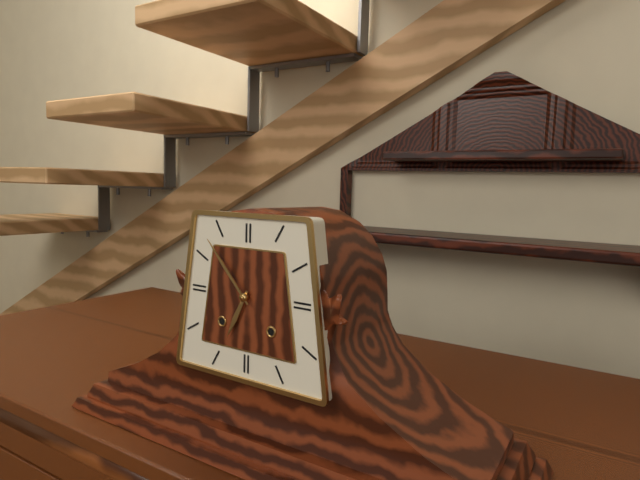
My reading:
h=6 m=53
